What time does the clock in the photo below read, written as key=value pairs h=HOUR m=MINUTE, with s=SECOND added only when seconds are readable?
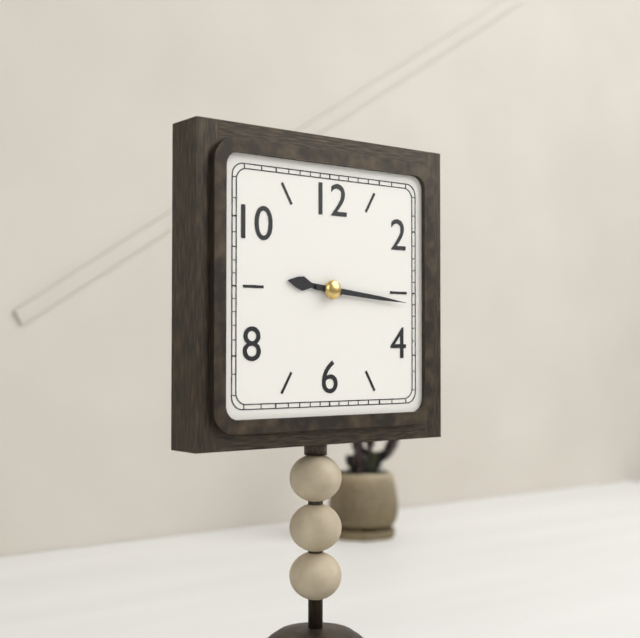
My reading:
h=9 m=16
